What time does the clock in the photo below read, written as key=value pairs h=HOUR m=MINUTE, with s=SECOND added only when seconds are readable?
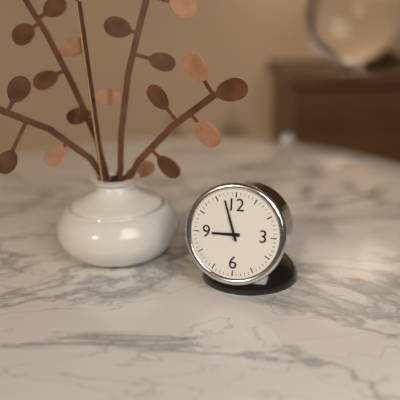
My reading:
h=8 m=57
